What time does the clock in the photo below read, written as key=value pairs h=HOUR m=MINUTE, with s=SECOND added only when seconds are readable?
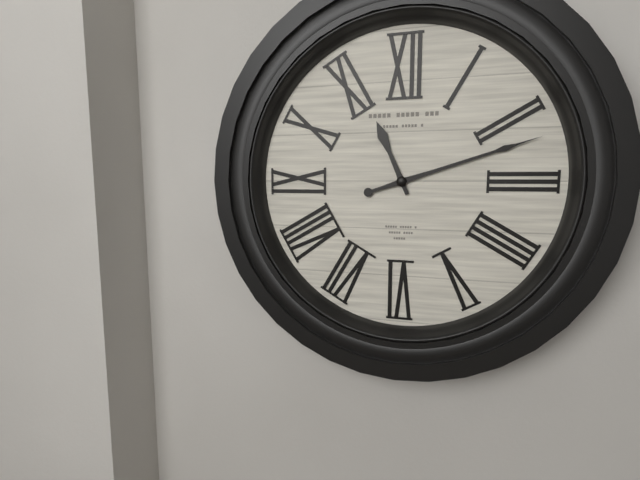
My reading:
h=11 m=12
